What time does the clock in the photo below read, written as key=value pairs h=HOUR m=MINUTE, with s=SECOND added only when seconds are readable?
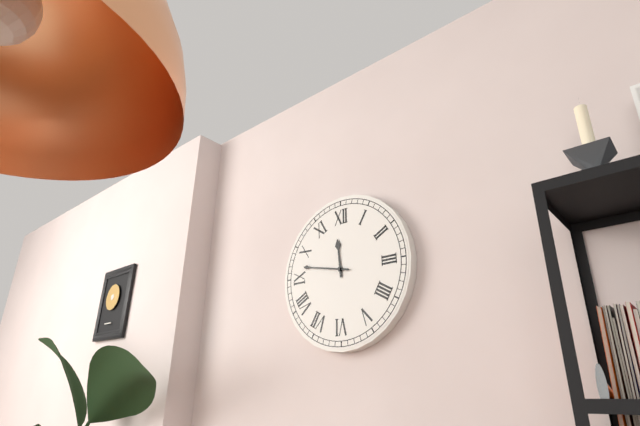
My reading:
h=11 m=47
